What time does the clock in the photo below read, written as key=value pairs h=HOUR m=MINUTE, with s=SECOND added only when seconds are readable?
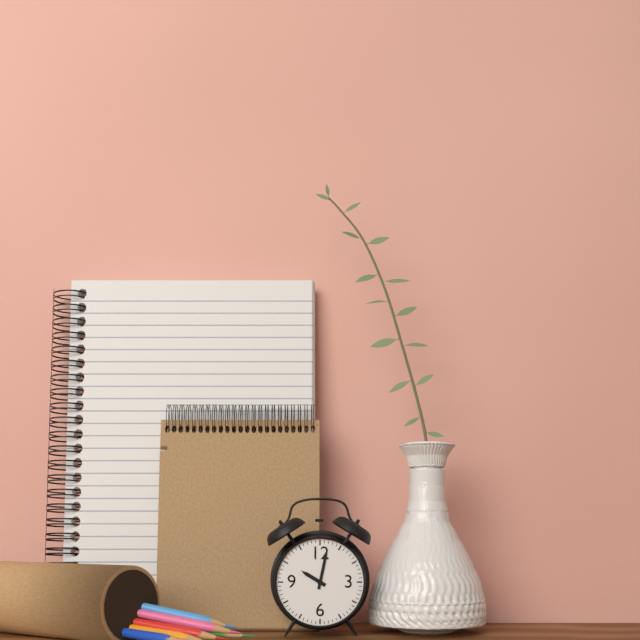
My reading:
h=10 m=2
